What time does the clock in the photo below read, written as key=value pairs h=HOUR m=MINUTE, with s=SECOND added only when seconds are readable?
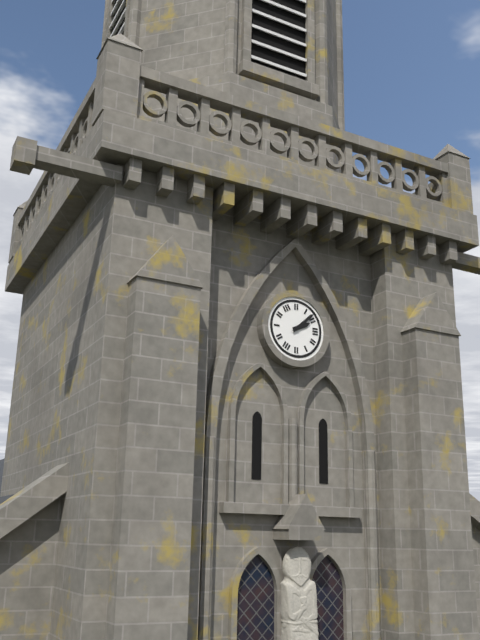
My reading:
h=2 m=8
